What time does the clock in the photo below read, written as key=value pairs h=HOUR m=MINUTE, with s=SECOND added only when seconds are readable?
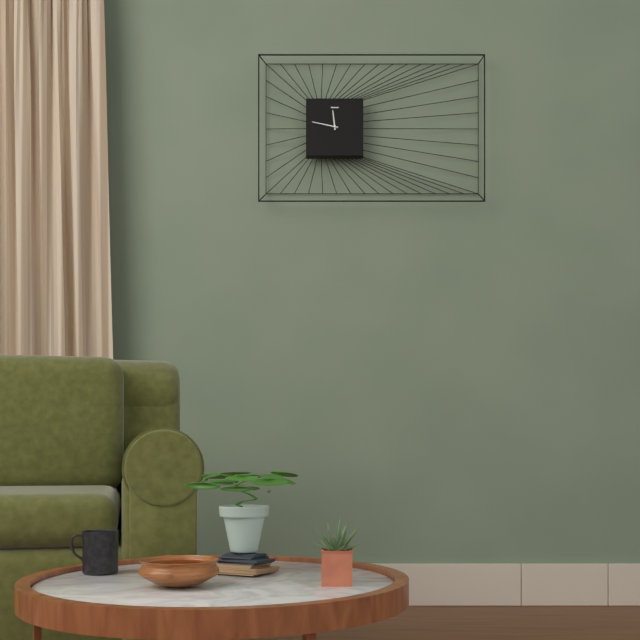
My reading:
h=11 m=47
